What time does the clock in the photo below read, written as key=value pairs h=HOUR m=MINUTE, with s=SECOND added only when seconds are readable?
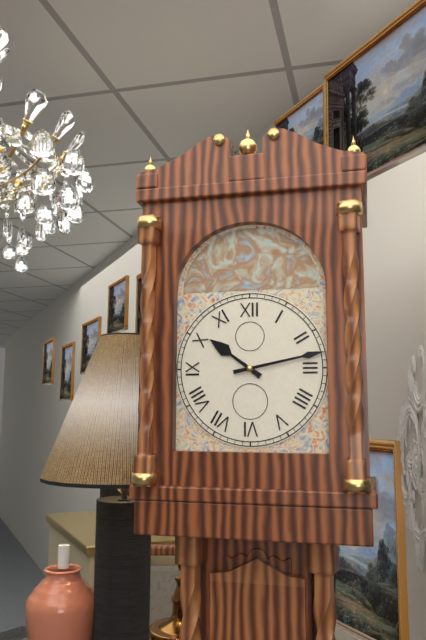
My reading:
h=10 m=13
